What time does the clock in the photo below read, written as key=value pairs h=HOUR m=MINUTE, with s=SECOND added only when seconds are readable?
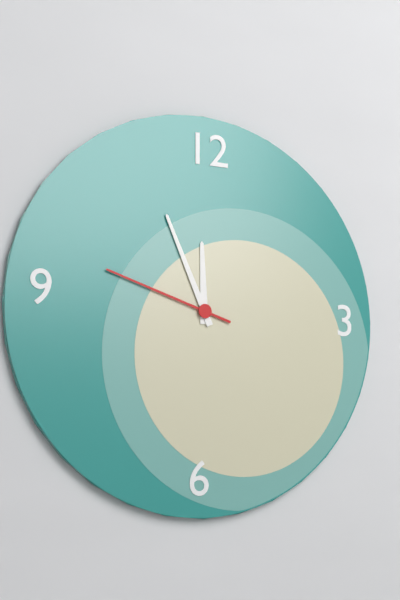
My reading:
h=11 m=56 s=48
